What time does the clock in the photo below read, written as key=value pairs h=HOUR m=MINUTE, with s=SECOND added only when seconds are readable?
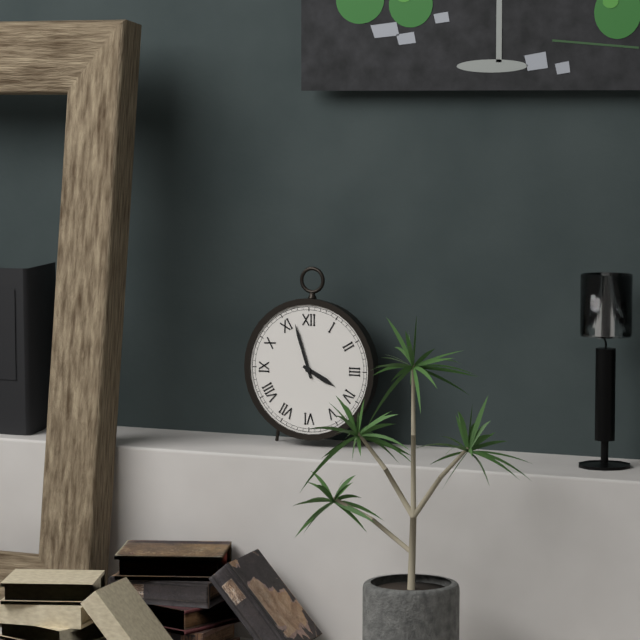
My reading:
h=3 m=57
